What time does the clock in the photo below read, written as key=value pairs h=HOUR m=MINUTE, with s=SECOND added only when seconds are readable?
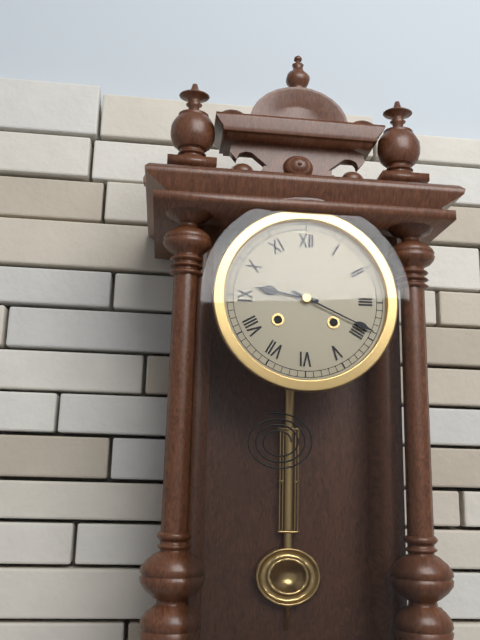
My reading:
h=9 m=19
